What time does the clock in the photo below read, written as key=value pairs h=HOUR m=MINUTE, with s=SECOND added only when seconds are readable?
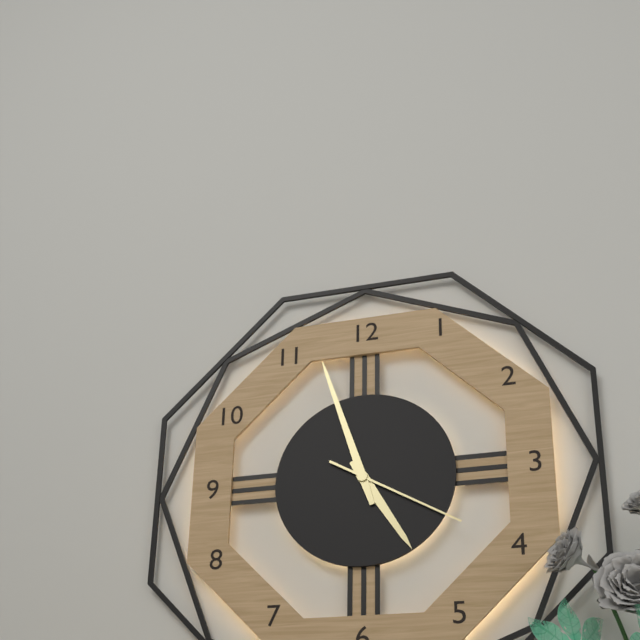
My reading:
h=4 m=57 s=20
